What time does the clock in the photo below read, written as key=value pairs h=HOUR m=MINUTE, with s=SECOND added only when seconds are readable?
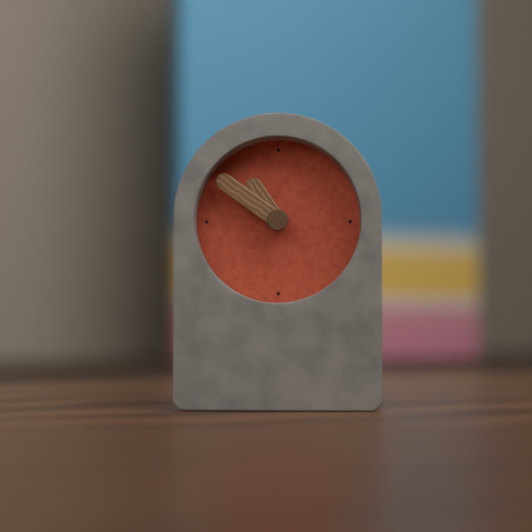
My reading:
h=10 m=51
